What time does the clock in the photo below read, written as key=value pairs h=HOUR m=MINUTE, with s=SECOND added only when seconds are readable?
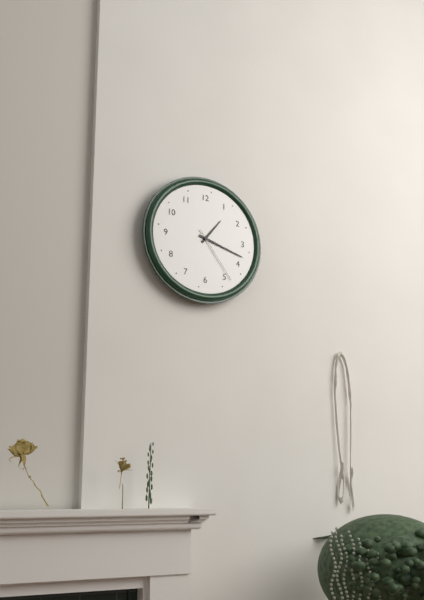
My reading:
h=1 m=18 s=24
